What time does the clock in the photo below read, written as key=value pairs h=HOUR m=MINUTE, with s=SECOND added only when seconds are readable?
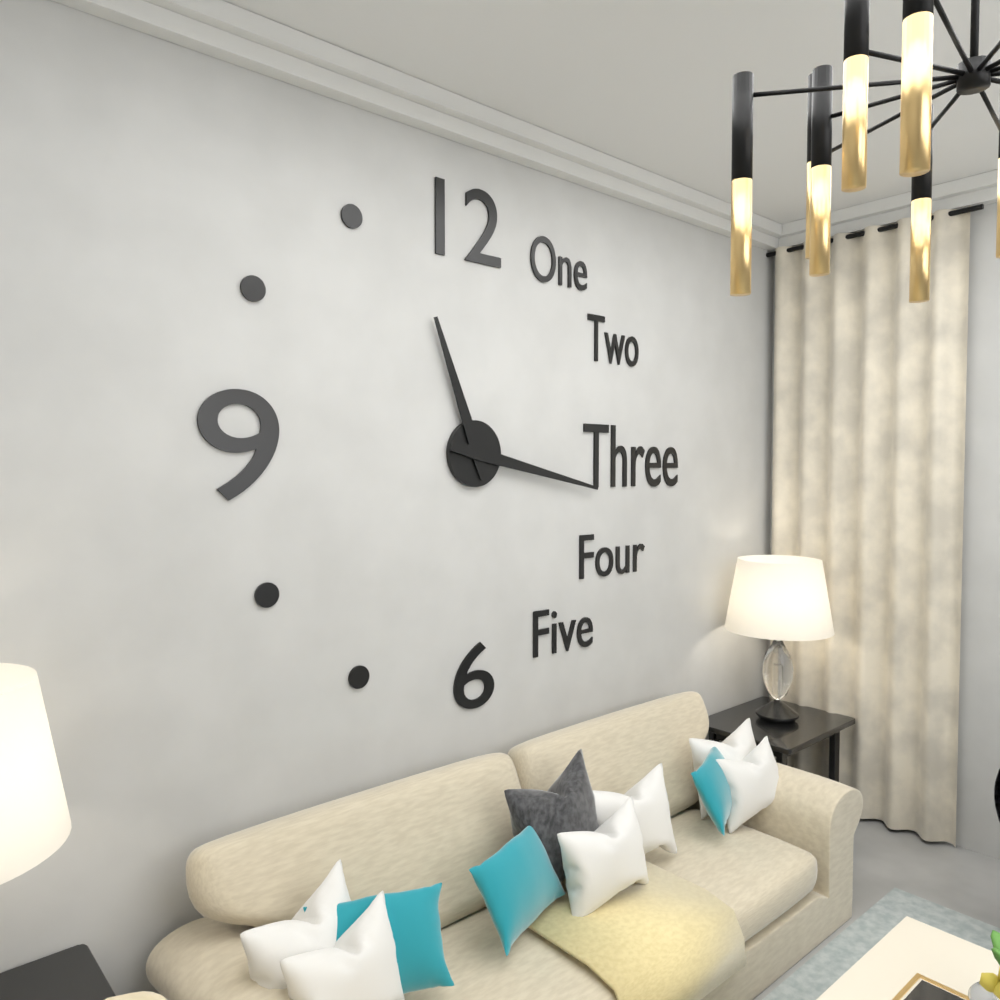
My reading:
h=11 m=17
